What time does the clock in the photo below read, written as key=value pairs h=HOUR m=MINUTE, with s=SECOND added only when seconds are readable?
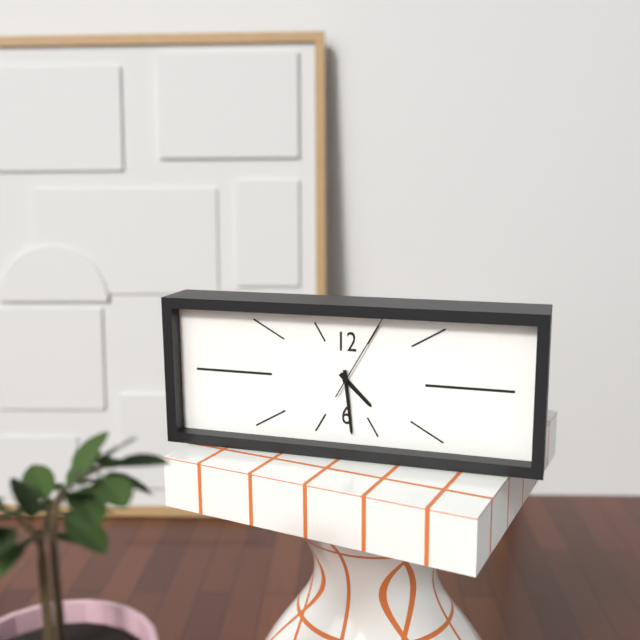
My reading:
h=4 m=29 s=5
